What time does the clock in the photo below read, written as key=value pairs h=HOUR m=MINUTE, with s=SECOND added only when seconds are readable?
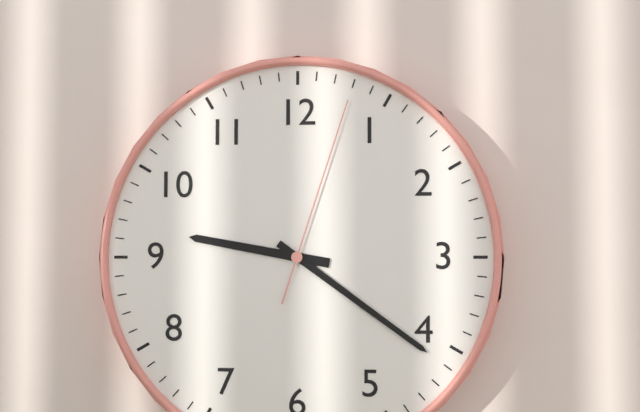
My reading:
h=9 m=21 s=3
